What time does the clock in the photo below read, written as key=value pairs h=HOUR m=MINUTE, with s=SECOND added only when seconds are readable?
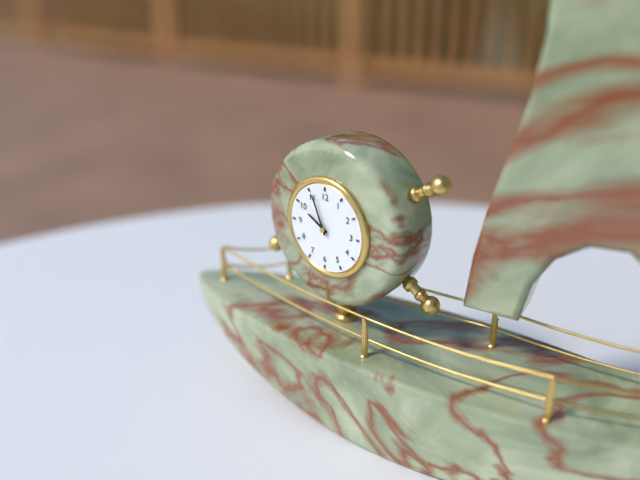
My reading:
h=9 m=56
